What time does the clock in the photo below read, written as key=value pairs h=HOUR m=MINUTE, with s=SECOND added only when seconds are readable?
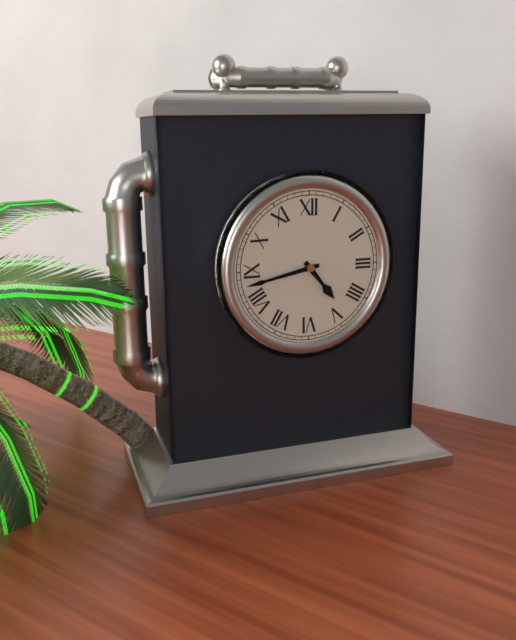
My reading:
h=4 m=43
